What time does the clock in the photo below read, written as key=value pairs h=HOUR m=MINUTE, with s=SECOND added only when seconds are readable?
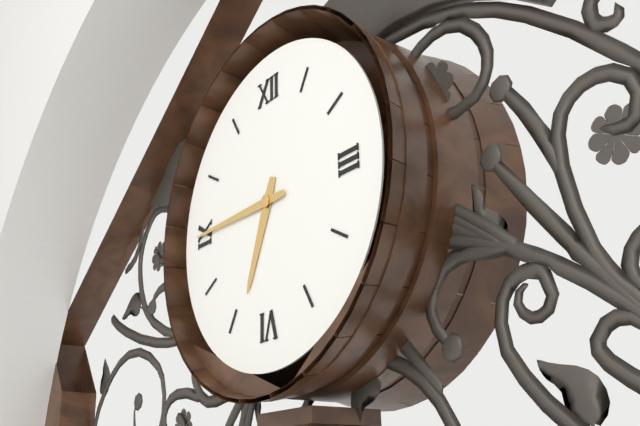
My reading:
h=6 m=45
